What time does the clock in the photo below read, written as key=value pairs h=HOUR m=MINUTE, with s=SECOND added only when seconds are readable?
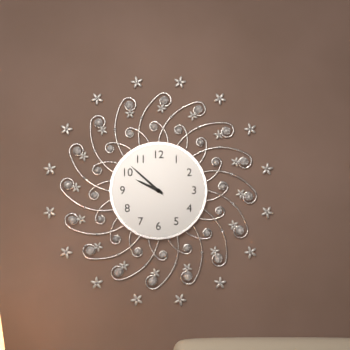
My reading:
h=9 m=52
